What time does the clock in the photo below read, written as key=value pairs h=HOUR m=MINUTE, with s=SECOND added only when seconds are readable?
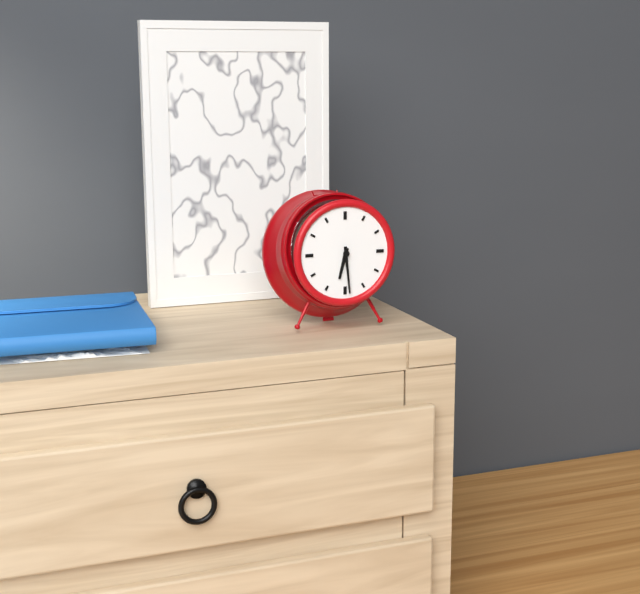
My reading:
h=6 m=29
